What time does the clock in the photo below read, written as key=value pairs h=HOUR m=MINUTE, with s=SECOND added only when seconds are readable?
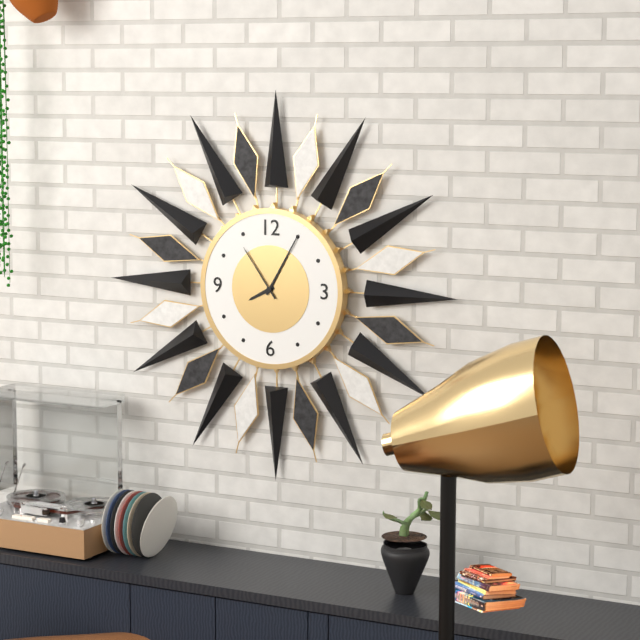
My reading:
h=8 m=5 s=54
